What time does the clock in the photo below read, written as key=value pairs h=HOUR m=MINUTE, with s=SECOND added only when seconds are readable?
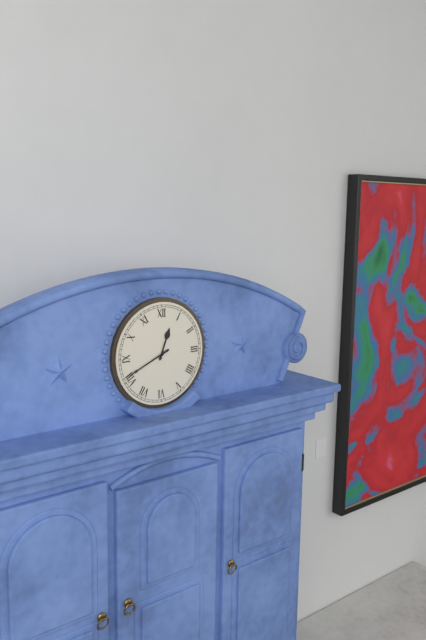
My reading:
h=12 m=41
